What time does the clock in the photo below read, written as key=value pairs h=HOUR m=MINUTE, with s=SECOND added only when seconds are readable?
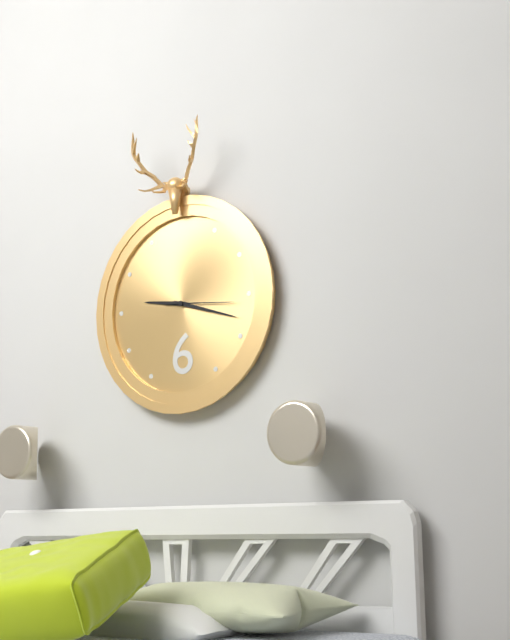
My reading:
h=9 m=18 s=16
